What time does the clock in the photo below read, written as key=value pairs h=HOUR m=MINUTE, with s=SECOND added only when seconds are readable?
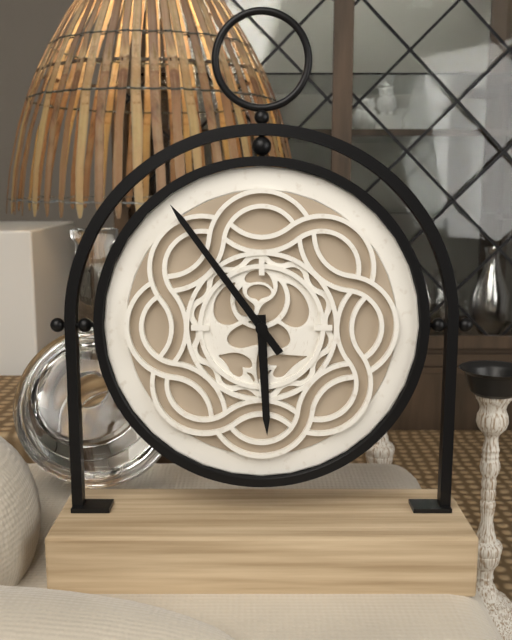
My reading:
h=5 m=54
